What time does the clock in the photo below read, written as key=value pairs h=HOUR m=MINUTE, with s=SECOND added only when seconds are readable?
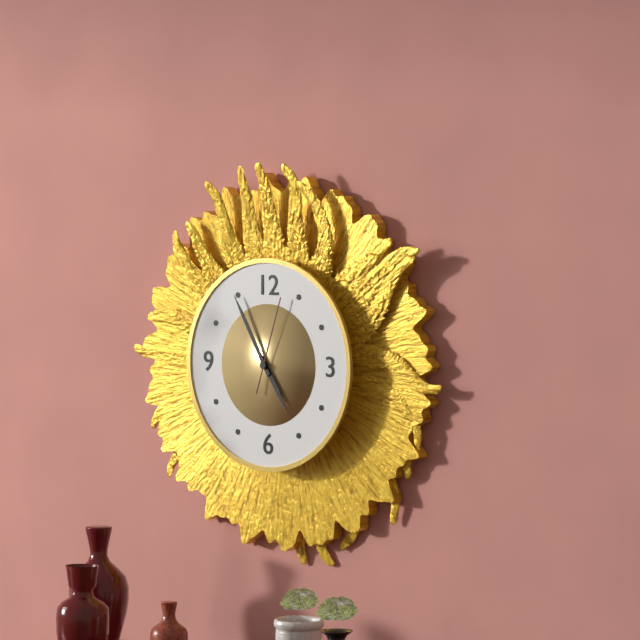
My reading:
h=4 m=55 s=3
